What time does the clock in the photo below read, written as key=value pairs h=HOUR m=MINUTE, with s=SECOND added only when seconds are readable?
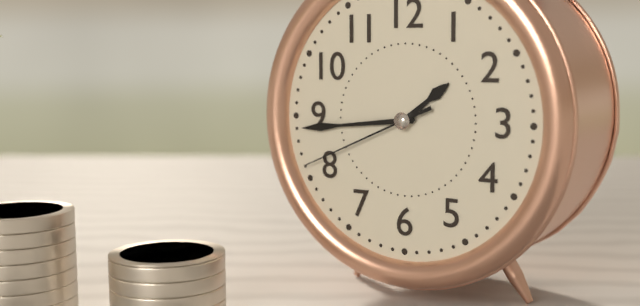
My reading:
h=1 m=44 s=41
